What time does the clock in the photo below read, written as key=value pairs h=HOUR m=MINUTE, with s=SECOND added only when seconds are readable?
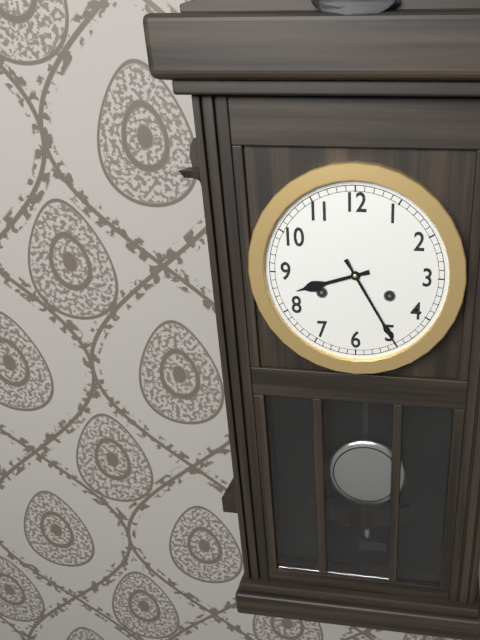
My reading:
h=8 m=25
